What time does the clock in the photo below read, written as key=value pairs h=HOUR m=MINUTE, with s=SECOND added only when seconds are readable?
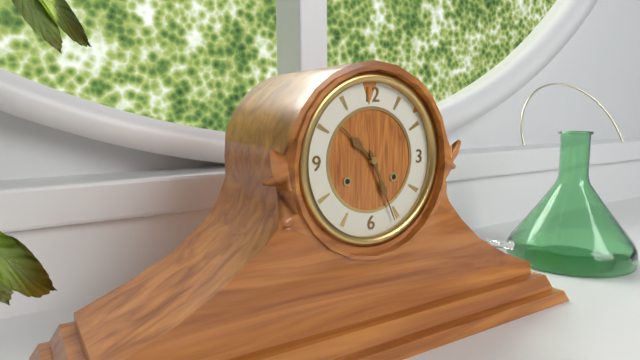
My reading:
h=10 m=26
